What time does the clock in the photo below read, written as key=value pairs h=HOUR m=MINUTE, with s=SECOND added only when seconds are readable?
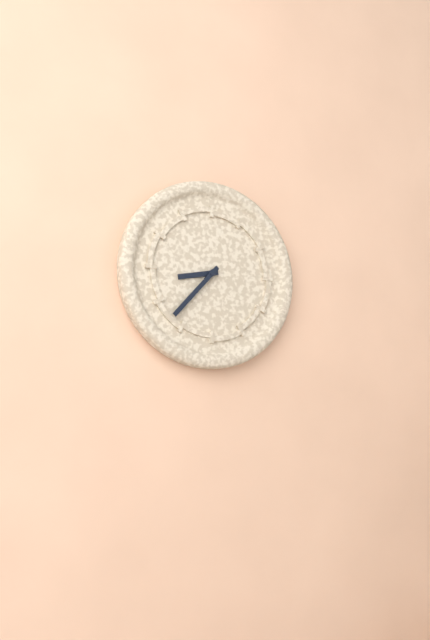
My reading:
h=8 m=37
